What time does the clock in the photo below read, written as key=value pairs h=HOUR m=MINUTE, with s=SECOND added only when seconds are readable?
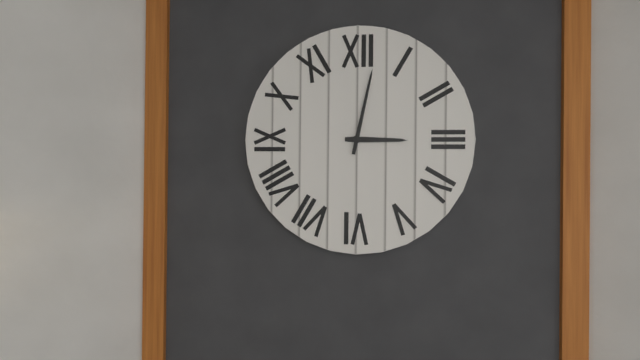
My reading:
h=3 m=2
